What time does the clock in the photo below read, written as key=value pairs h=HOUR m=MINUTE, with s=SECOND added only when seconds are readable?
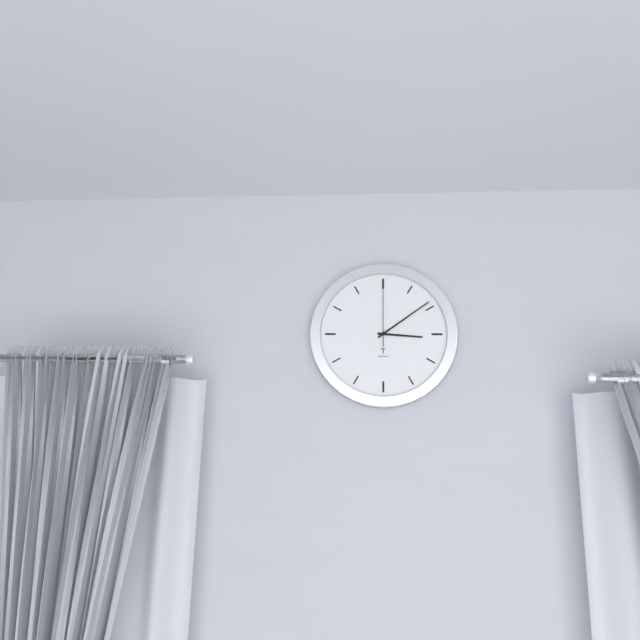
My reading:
h=3 m=9 s=0
